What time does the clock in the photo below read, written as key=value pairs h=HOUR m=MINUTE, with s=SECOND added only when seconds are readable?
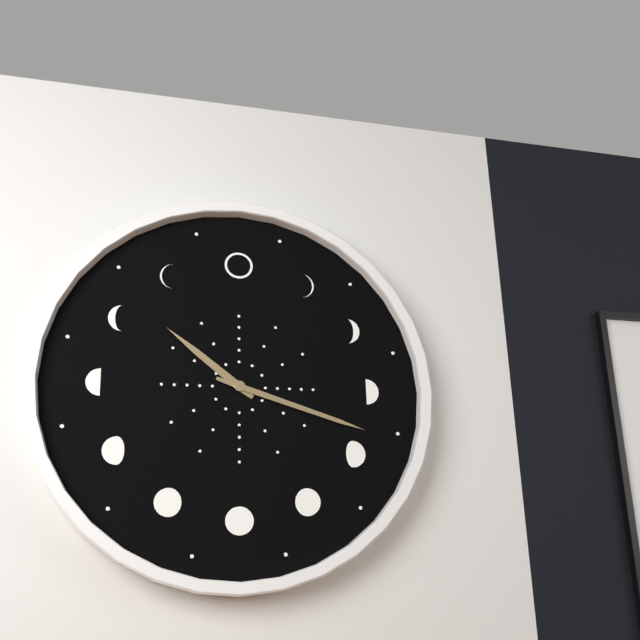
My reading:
h=10 m=18
